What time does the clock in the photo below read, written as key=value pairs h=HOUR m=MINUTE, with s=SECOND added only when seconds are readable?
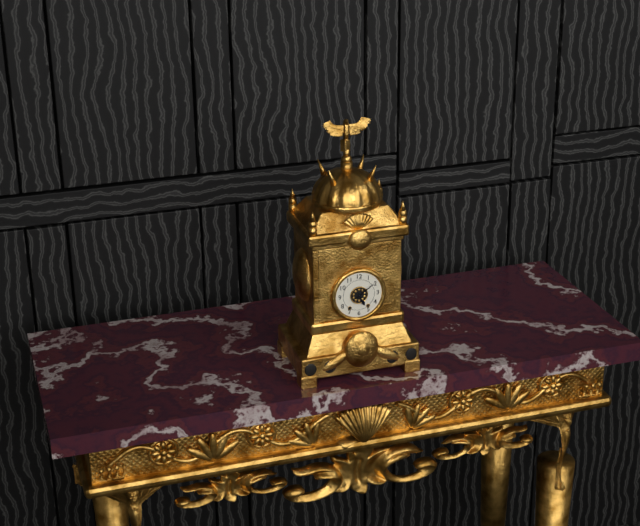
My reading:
h=5 m=9
